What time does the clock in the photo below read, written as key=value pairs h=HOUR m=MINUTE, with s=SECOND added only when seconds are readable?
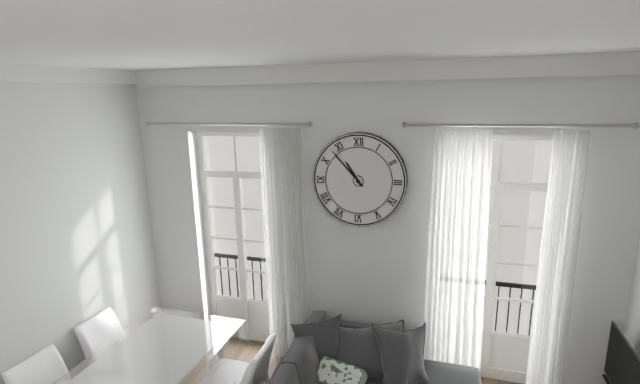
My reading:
h=10 m=53
